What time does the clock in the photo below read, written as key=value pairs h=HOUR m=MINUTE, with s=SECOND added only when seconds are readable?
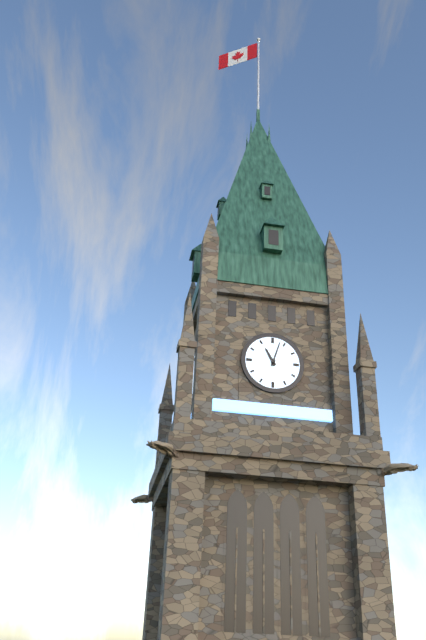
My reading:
h=11 m=3
